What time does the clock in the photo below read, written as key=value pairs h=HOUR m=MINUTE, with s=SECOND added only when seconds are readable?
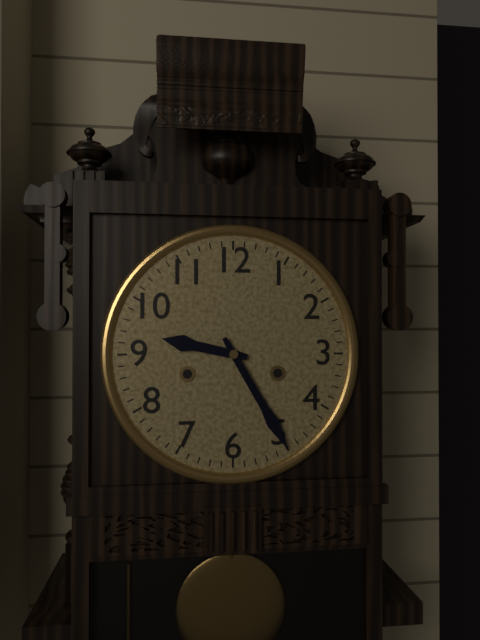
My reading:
h=9 m=25
